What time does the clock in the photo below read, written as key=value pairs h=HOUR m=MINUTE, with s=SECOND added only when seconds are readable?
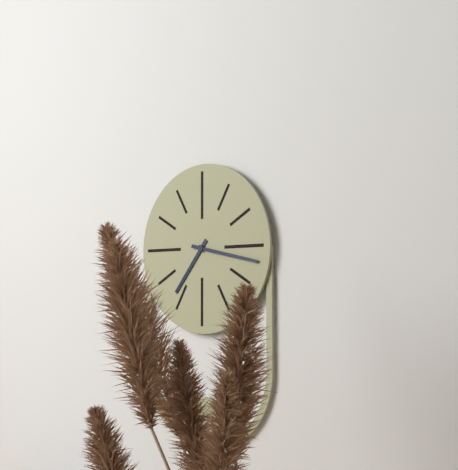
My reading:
h=7 m=17
